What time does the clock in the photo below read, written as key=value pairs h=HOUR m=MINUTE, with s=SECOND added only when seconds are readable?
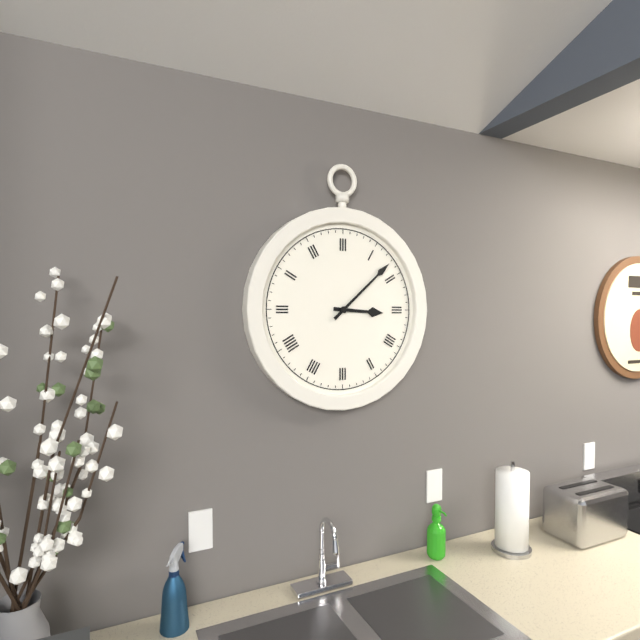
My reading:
h=3 m=8
